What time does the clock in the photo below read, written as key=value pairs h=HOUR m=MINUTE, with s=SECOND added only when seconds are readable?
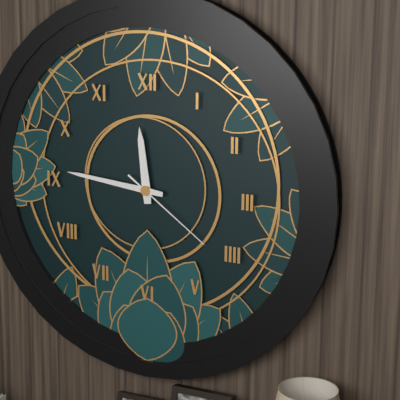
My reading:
h=11 m=46 s=21
